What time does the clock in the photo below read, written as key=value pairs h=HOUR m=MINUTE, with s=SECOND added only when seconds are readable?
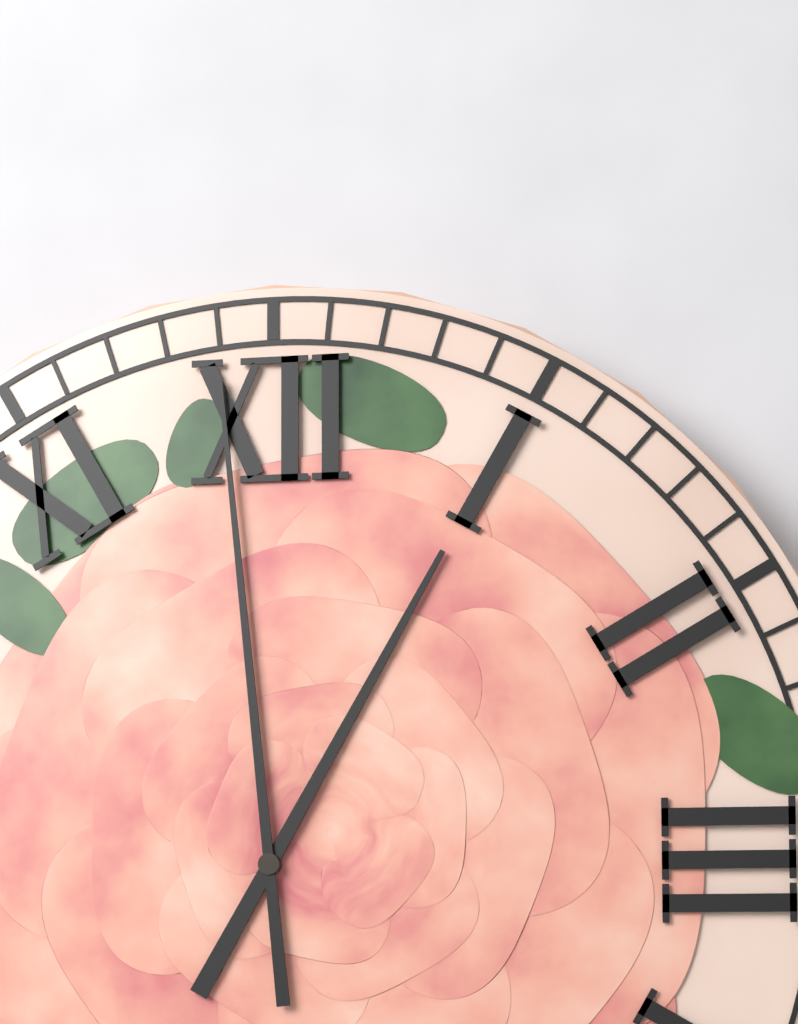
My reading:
h=12 m=59
